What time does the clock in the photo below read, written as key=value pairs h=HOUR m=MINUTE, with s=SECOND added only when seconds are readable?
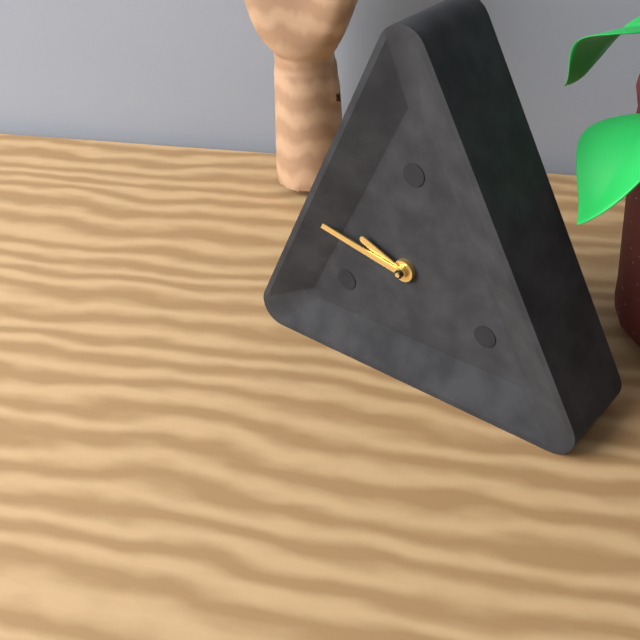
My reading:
h=9 m=47
